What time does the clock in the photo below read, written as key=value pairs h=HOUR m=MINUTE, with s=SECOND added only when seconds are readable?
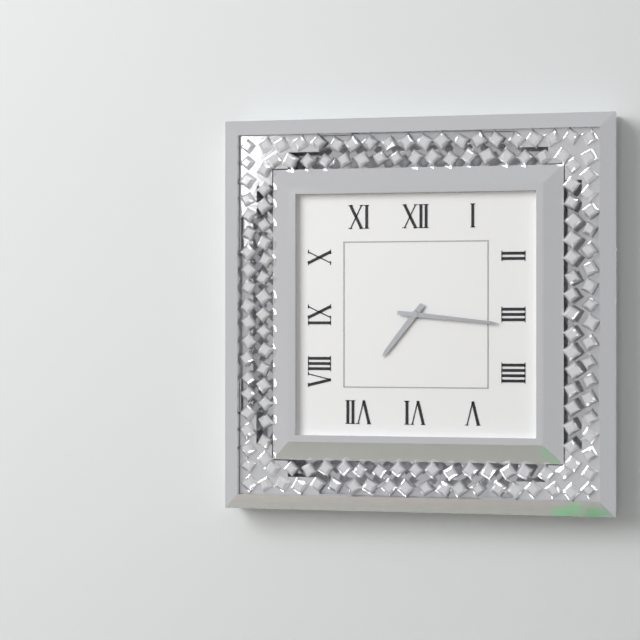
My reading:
h=7 m=16
